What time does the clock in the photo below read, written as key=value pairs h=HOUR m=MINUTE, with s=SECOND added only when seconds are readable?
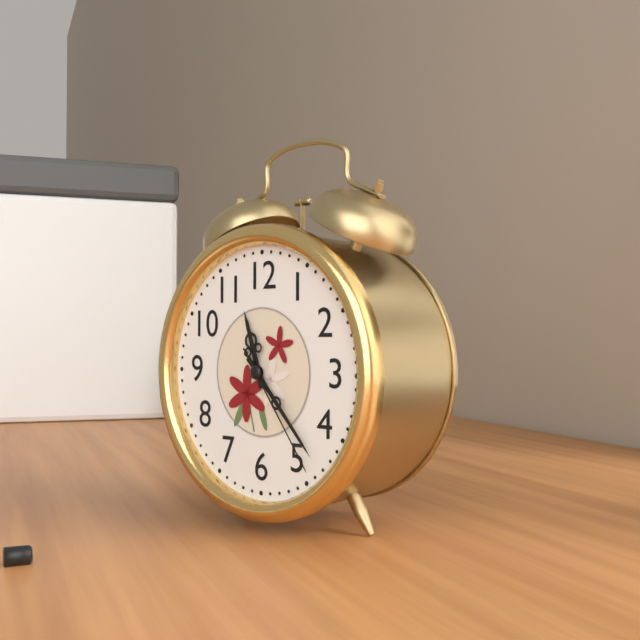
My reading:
h=11 m=23 s=24
